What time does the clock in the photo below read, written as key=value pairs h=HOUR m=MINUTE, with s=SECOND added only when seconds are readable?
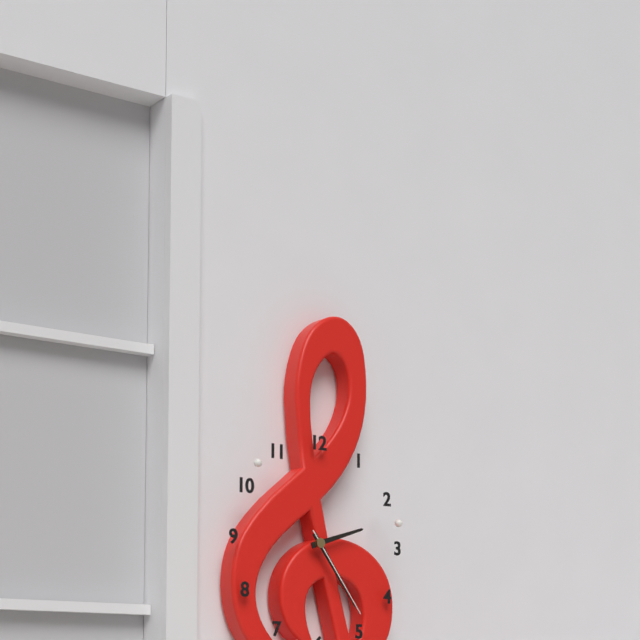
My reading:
h=2 m=24 s=24
